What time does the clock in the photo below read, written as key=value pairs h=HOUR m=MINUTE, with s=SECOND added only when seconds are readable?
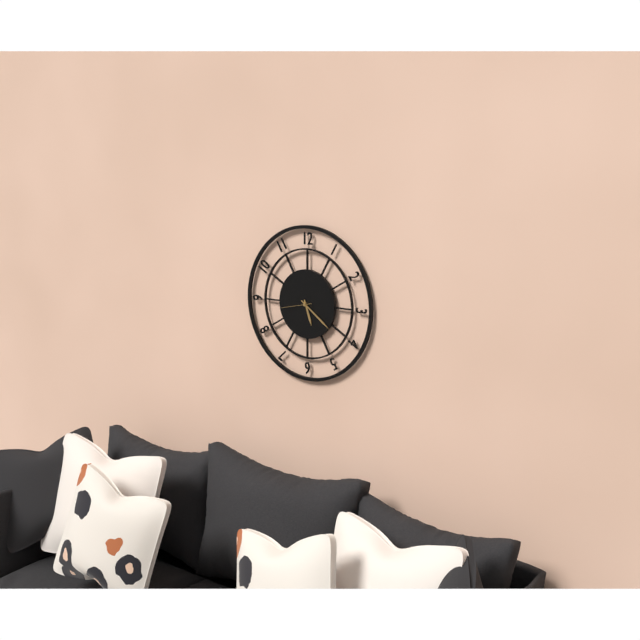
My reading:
h=5 m=21
